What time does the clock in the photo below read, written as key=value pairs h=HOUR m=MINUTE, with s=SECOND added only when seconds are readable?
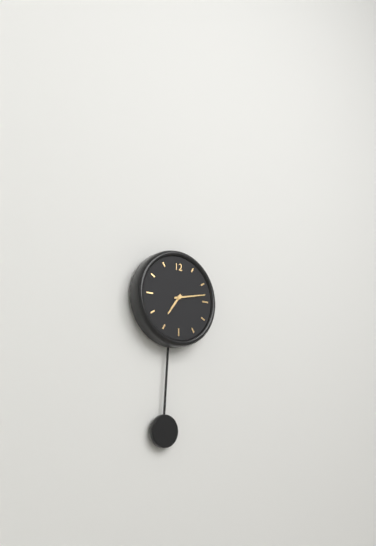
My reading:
h=7 m=13
